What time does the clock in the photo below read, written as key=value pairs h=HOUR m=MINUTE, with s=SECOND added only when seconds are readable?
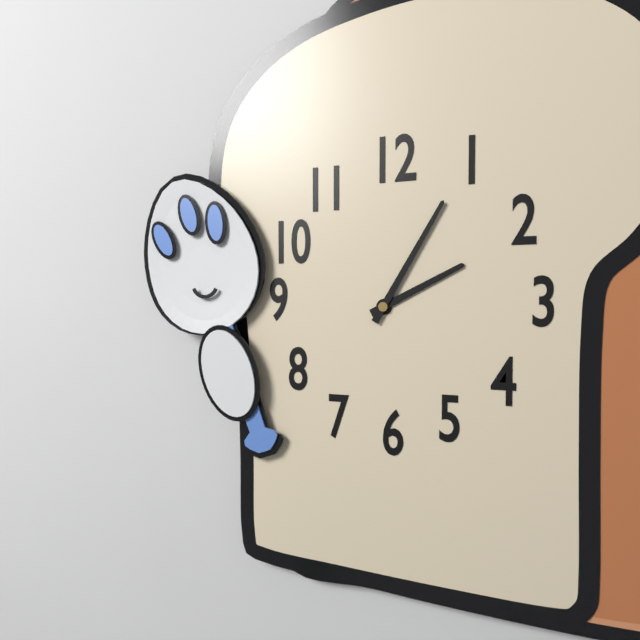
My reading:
h=2 m=5
